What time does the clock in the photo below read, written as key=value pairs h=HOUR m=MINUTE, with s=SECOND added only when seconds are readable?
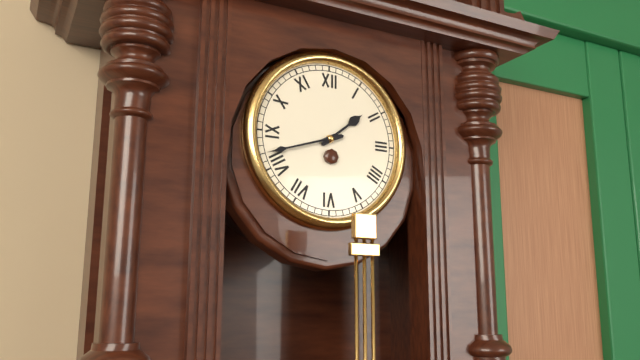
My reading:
h=1 m=42
